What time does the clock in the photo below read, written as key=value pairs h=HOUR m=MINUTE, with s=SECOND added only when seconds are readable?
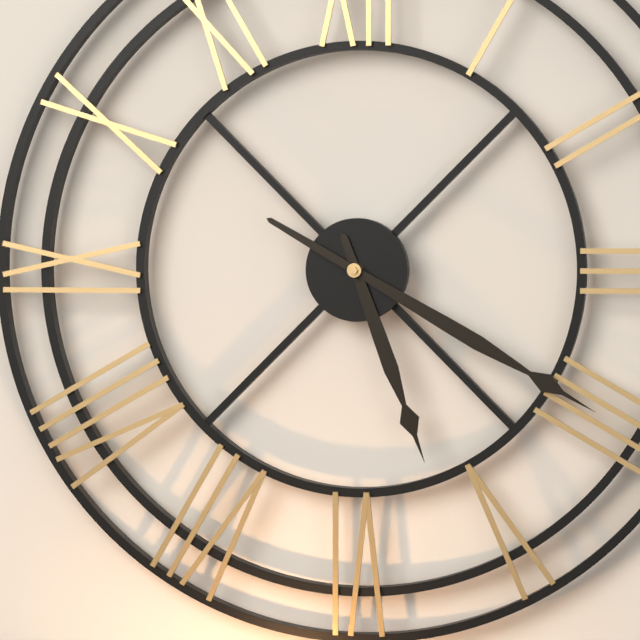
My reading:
h=5 m=20
